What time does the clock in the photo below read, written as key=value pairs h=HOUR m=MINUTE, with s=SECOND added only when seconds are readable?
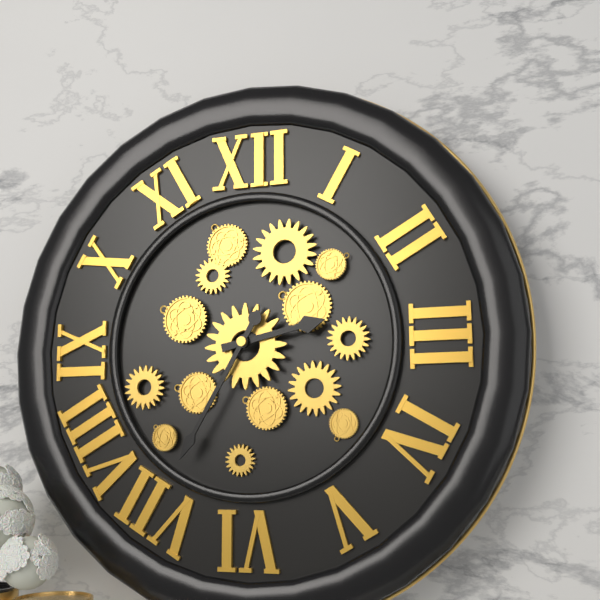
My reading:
h=2 m=35
